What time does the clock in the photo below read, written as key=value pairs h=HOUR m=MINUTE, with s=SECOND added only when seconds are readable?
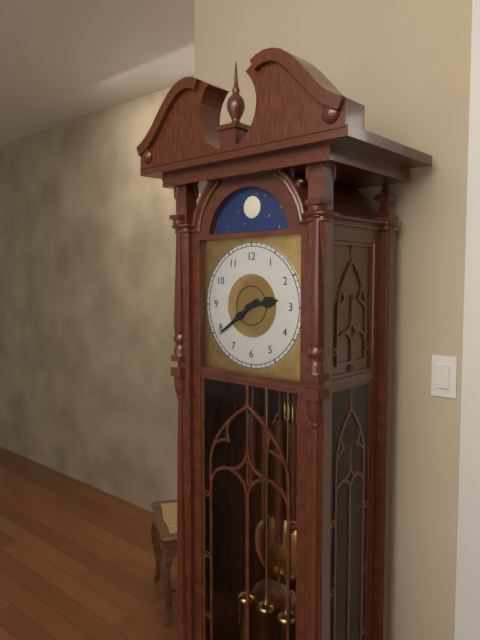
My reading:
h=2 m=39
